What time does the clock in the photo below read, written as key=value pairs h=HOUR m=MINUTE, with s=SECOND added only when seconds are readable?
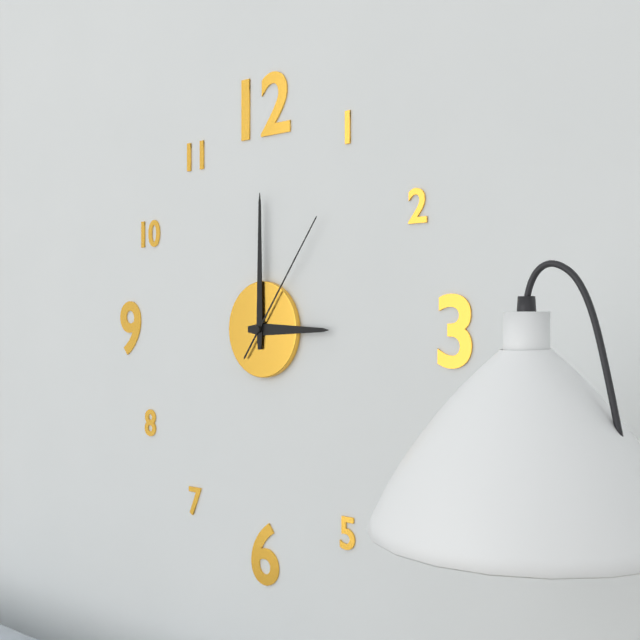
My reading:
h=3 m=0 s=6
